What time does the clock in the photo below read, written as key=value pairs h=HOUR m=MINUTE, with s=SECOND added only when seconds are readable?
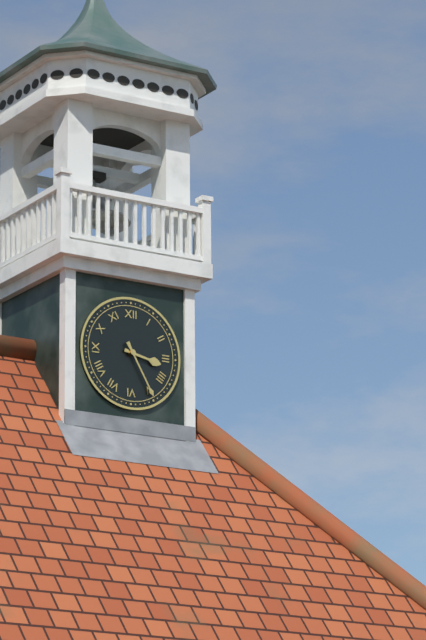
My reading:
h=3 m=25
